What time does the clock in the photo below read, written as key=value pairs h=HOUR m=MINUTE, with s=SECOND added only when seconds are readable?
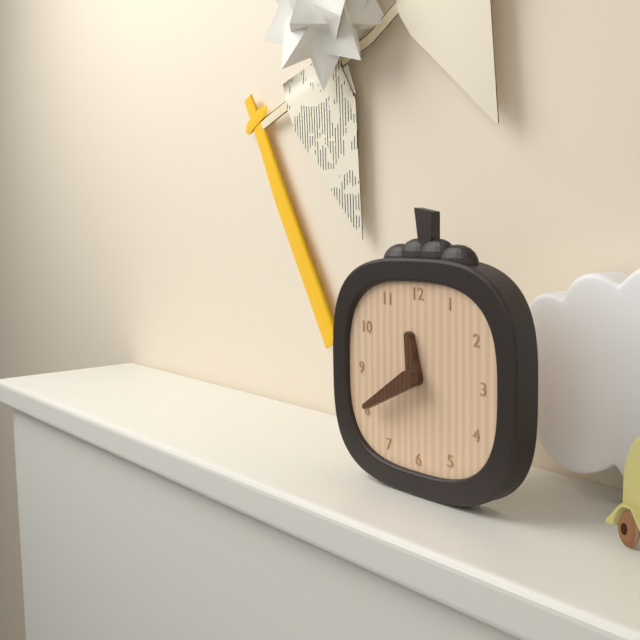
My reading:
h=11 m=40
